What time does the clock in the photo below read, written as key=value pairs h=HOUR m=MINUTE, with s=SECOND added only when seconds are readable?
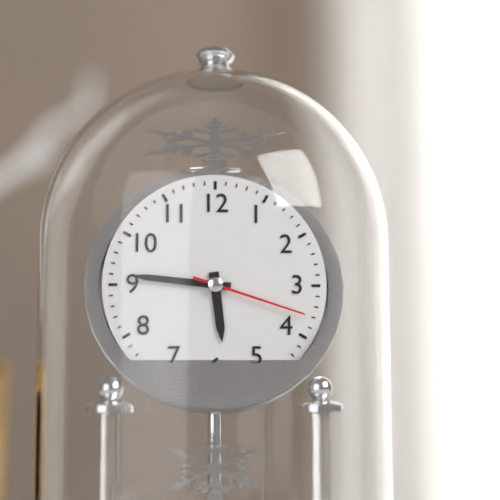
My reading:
h=5 m=46 s=18
